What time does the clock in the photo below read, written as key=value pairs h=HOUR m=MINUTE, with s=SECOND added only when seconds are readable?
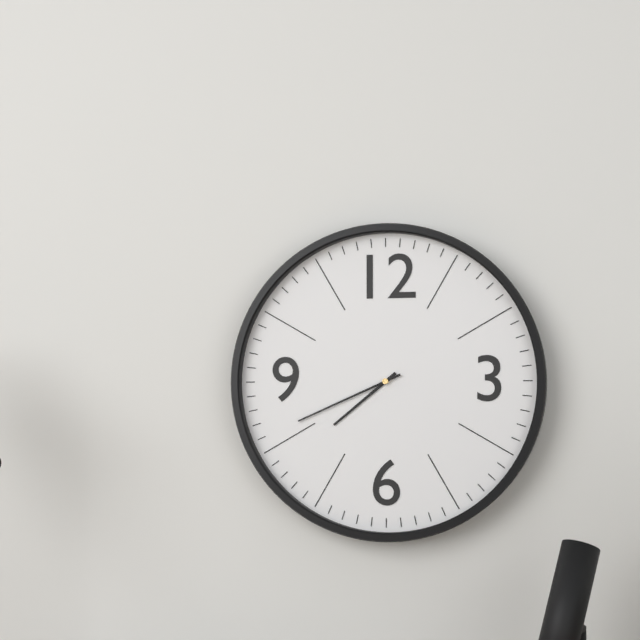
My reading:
h=7 m=41
